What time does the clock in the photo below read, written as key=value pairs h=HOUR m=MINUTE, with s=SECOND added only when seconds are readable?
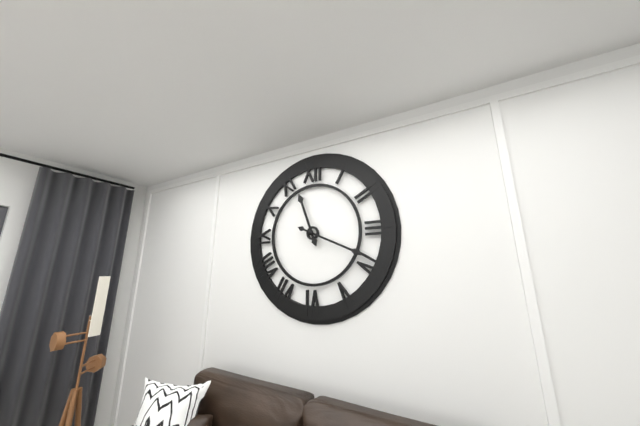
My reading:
h=11 m=19
